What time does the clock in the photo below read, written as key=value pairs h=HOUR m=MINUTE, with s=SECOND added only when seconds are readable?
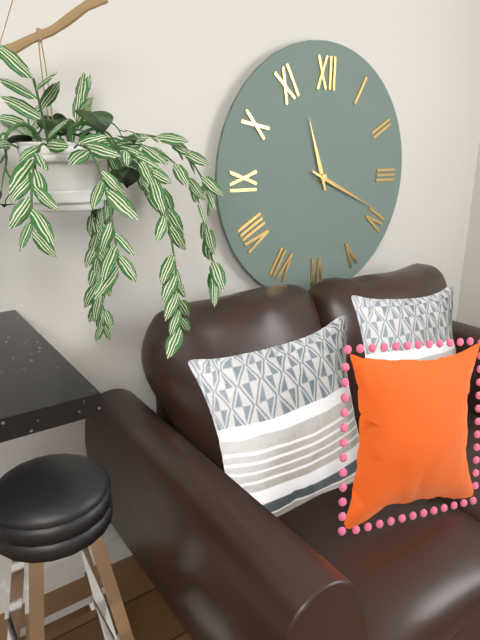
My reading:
h=11 m=19
